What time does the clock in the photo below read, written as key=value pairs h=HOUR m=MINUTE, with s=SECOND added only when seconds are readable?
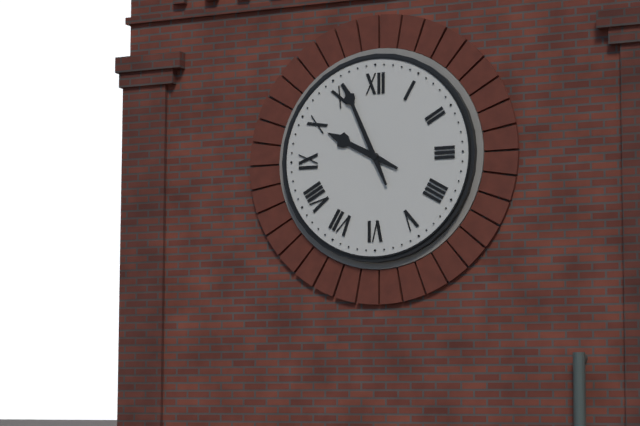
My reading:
h=9 m=56
